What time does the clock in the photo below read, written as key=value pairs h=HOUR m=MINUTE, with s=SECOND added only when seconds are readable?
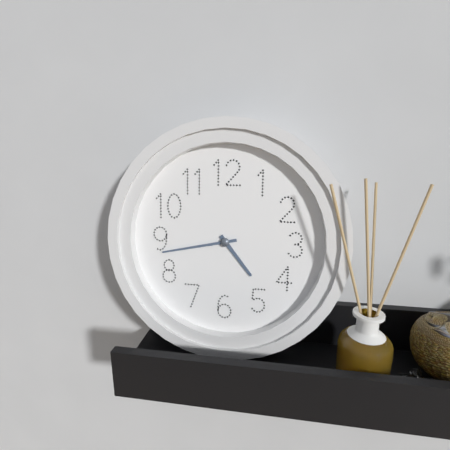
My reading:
h=4 m=43
